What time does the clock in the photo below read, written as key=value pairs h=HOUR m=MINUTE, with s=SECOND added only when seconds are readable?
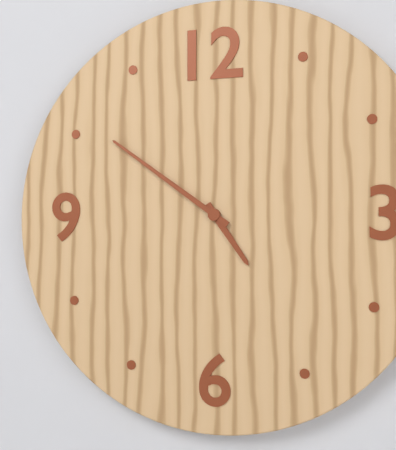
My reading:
h=4 m=51
